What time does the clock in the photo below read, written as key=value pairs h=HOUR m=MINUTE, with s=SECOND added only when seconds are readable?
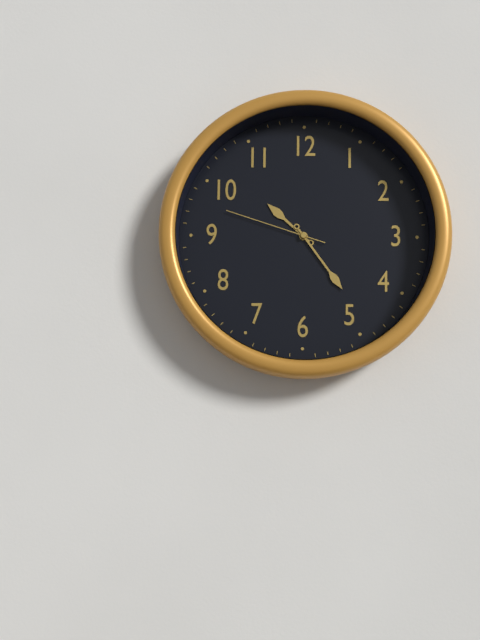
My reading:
h=10 m=24 s=48
